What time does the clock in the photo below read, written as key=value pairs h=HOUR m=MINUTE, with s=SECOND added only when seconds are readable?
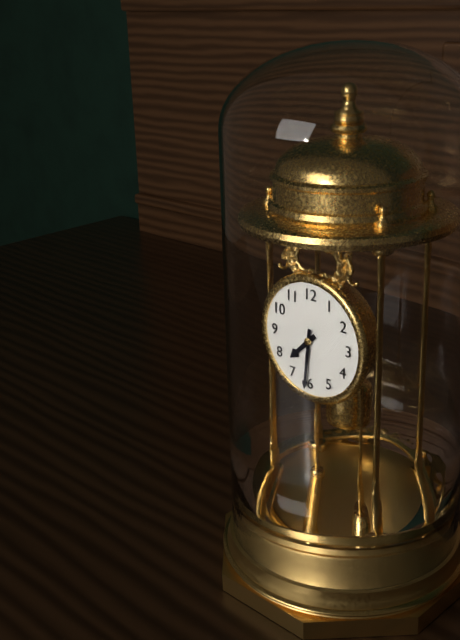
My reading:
h=7 m=31
